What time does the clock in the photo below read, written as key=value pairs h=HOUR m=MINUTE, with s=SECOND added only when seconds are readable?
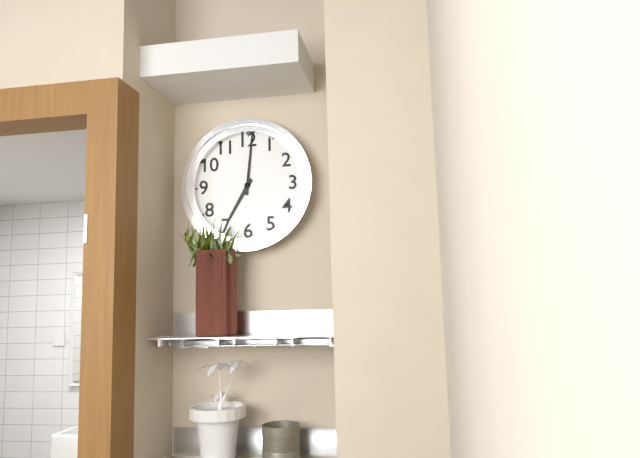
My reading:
h=7 m=1
